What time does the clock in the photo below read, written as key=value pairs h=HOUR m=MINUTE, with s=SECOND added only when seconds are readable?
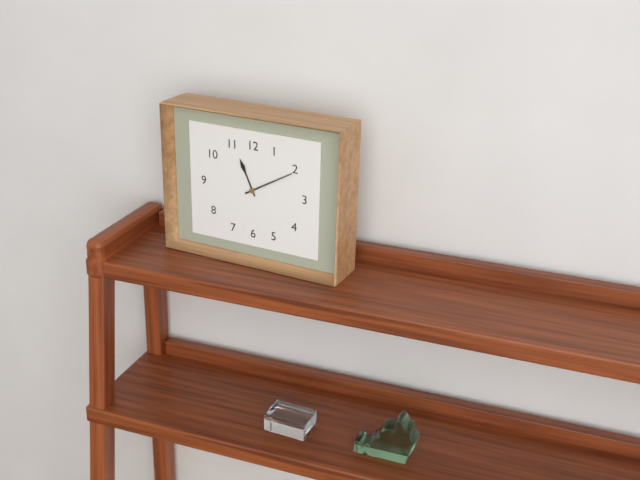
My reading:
h=11 m=10
